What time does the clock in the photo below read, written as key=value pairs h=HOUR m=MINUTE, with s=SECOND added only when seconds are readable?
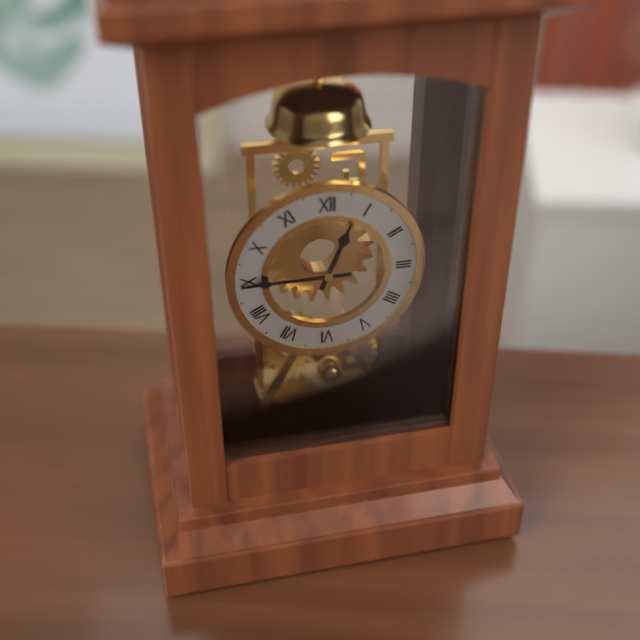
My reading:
h=12 m=45
